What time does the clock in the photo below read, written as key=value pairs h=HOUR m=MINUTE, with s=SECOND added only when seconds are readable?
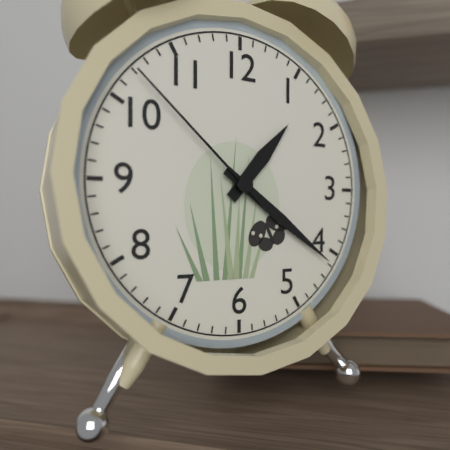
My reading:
h=1 m=21 s=52
